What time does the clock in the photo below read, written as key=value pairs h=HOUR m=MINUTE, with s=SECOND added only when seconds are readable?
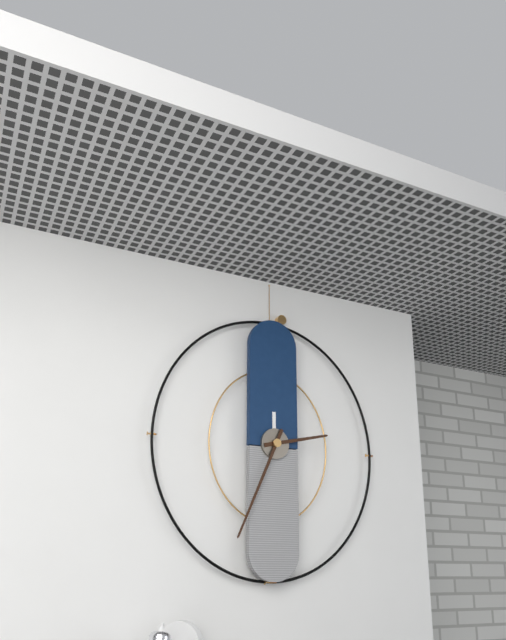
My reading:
h=2 m=34
